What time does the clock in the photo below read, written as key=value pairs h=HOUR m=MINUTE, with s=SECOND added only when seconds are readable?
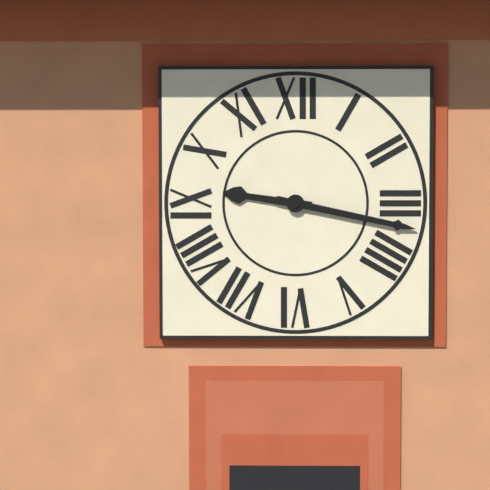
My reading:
h=9 m=17
